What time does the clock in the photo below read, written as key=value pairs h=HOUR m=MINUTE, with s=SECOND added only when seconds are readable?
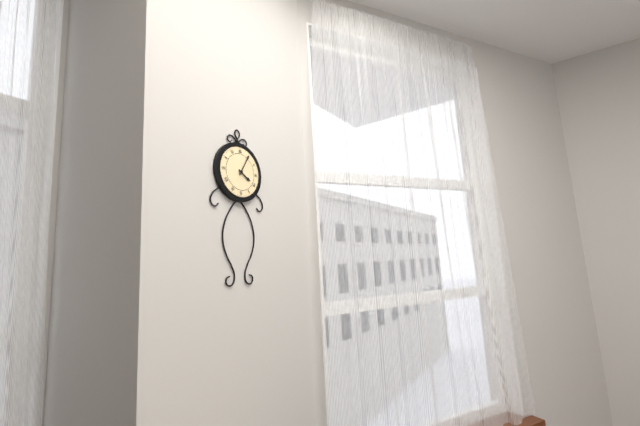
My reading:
h=4 m=5
